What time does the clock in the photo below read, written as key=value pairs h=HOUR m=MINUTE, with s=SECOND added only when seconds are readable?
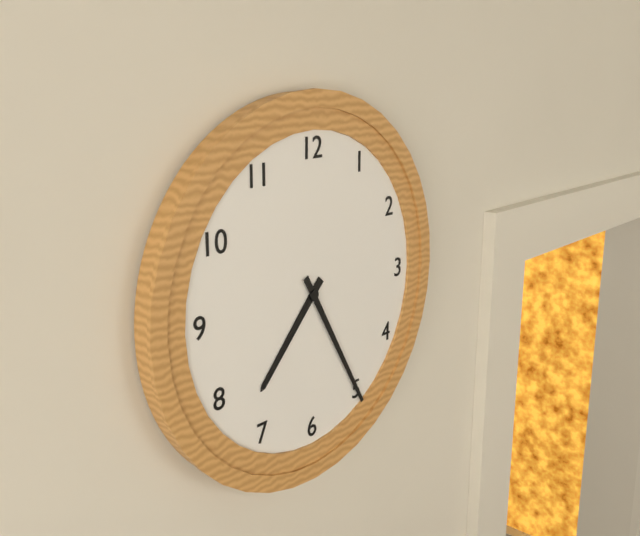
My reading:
h=7 m=25
